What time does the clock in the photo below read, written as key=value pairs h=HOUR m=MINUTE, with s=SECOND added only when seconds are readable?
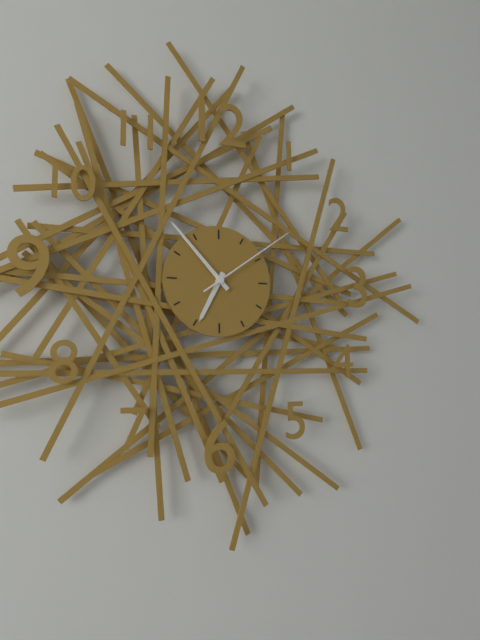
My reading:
h=6 m=53 s=9
